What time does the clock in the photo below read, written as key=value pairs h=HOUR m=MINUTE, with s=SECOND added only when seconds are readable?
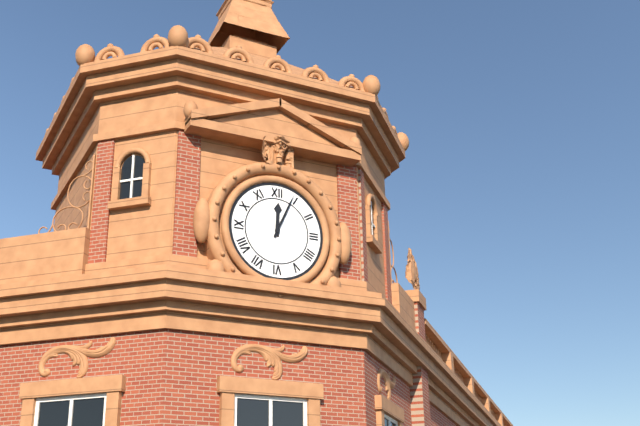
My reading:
h=12 m=4
